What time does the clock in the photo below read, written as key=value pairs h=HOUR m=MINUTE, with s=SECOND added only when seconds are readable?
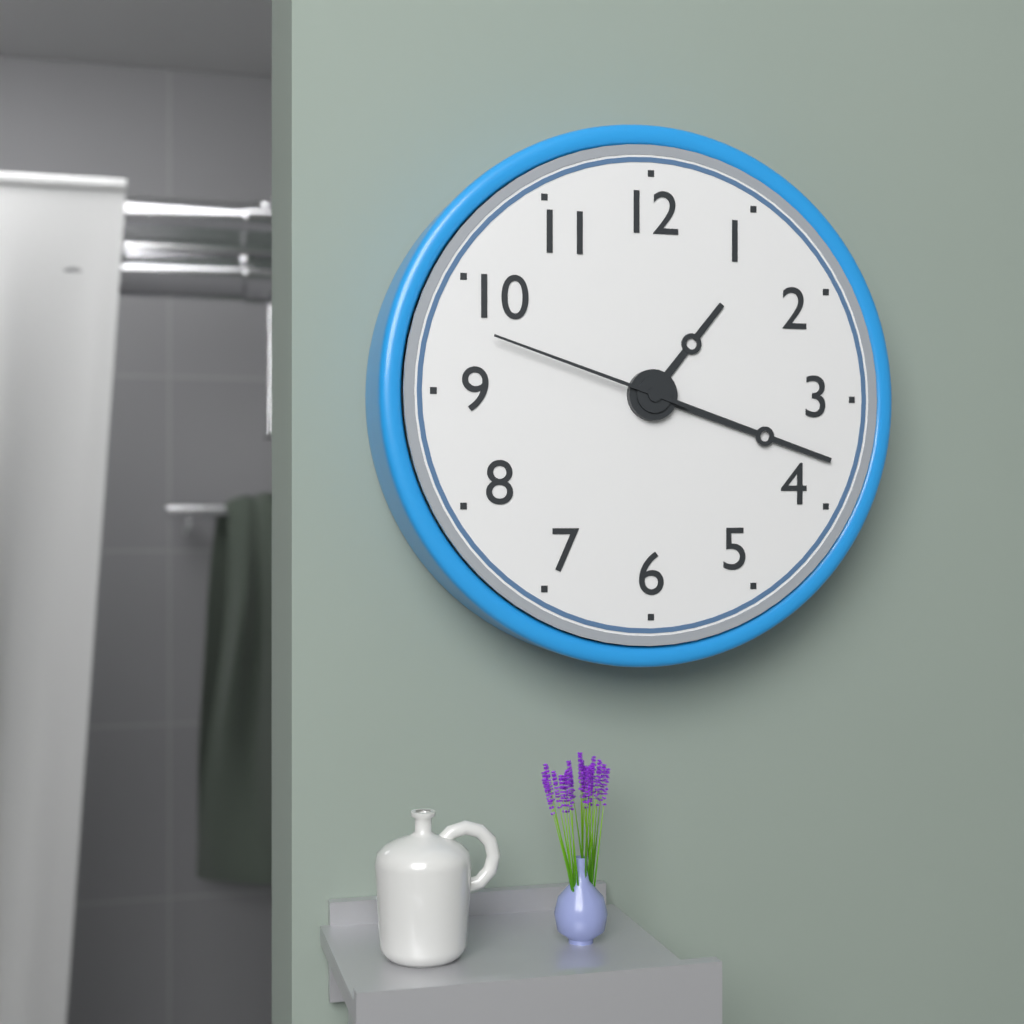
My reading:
h=1 m=18 s=48
